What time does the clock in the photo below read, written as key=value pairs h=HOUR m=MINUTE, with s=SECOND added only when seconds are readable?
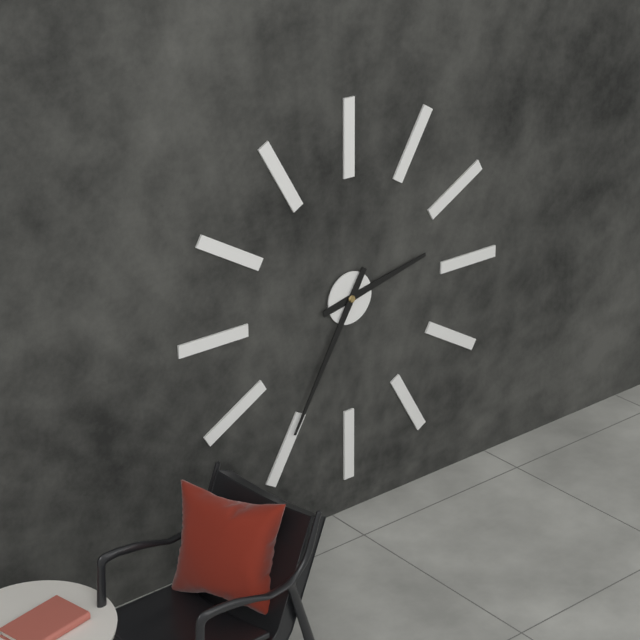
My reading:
h=2 m=35
